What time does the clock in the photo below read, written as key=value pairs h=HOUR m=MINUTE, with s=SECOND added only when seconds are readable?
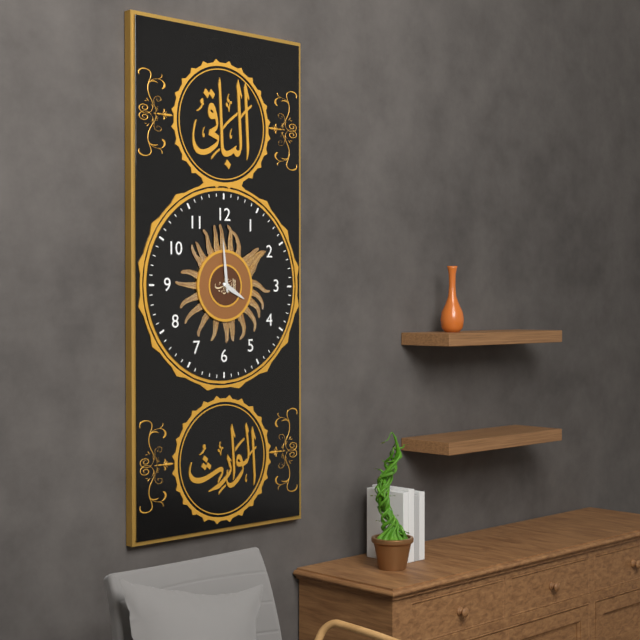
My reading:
h=3 m=59
